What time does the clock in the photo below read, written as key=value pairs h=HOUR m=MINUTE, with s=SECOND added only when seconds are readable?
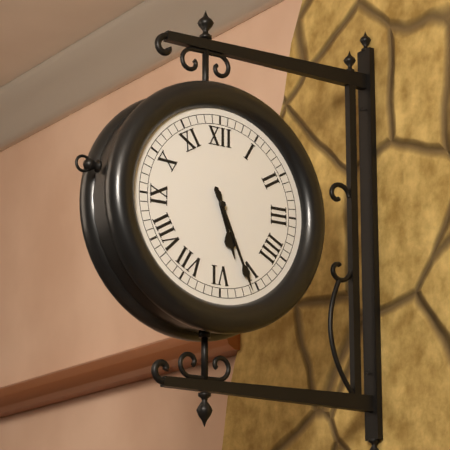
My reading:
h=5 m=26
